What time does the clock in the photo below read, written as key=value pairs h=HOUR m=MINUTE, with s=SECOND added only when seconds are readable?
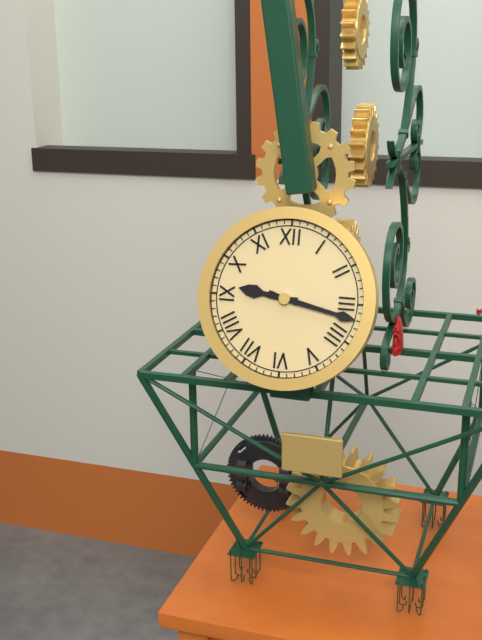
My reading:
h=9 m=17
